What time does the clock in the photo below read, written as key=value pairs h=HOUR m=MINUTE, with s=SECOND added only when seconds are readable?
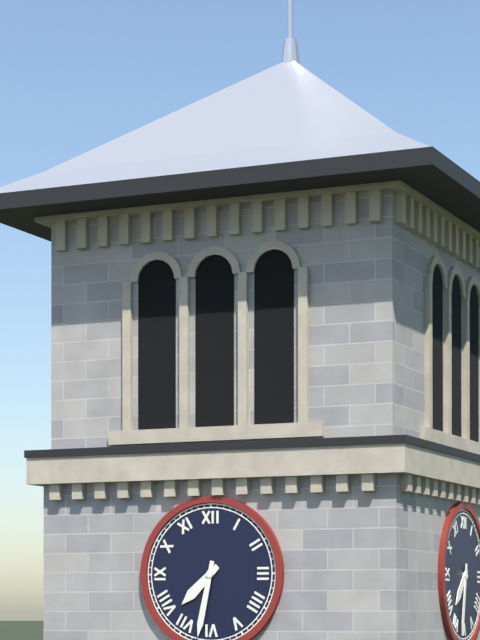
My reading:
h=7 m=32
